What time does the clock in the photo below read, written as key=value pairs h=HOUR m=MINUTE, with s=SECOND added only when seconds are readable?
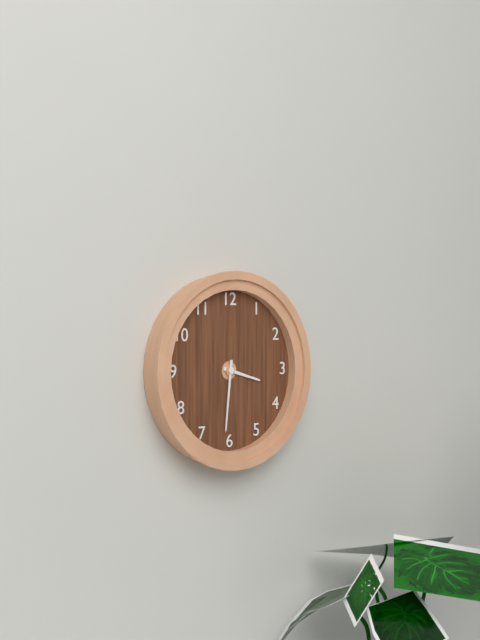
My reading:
h=3 m=31
